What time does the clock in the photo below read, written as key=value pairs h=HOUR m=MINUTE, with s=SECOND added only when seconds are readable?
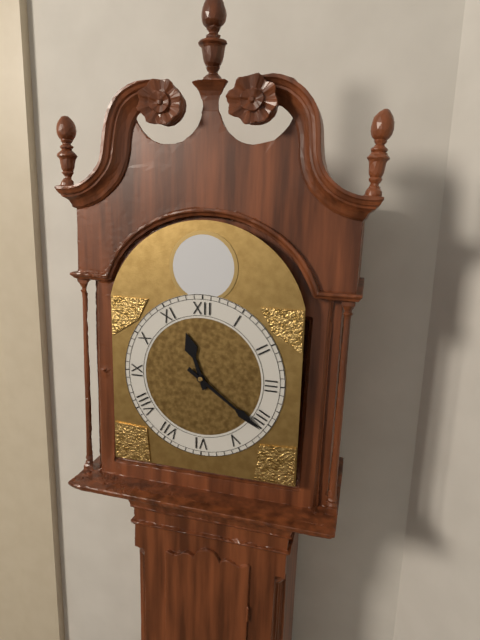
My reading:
h=11 m=21
